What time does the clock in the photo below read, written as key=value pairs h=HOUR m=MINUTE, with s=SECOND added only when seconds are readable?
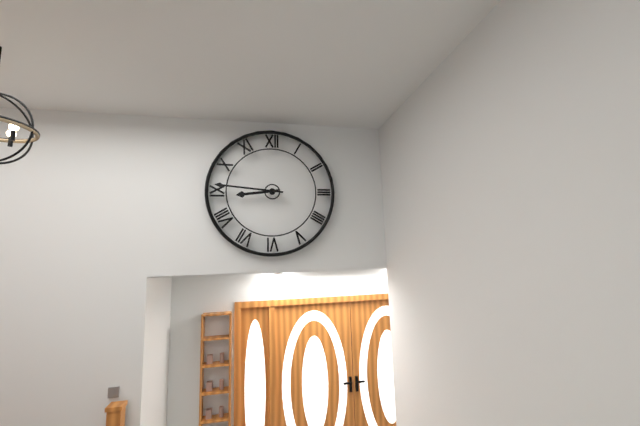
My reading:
h=8 m=46
